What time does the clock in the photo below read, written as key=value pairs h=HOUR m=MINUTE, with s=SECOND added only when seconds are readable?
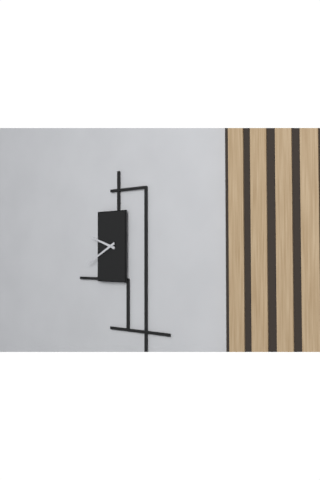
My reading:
h=9 m=40
